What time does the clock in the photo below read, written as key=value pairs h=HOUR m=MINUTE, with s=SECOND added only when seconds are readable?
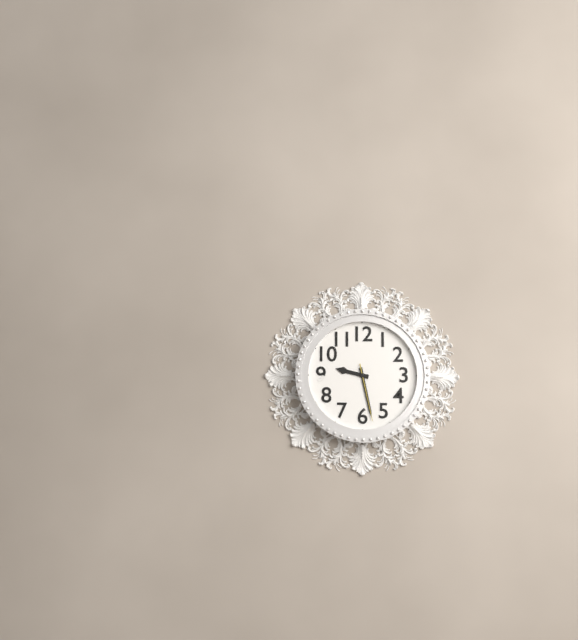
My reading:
h=9 m=28 s=28
